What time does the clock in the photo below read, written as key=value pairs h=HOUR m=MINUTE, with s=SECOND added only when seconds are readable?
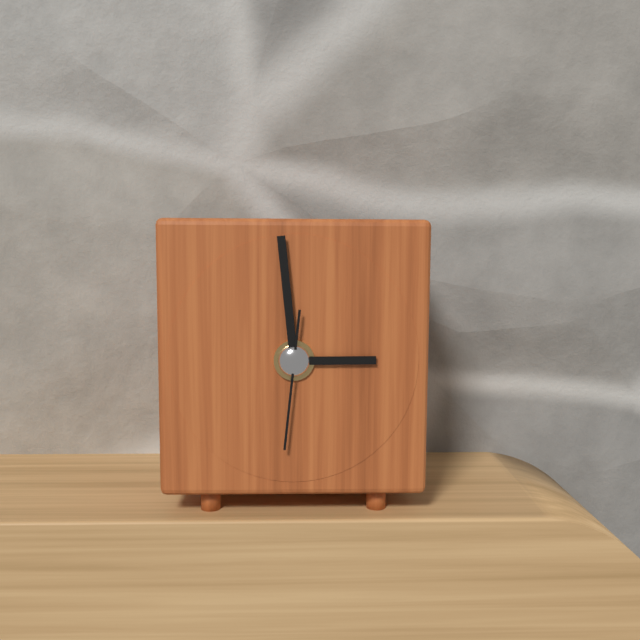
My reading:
h=2 m=59 s=31
